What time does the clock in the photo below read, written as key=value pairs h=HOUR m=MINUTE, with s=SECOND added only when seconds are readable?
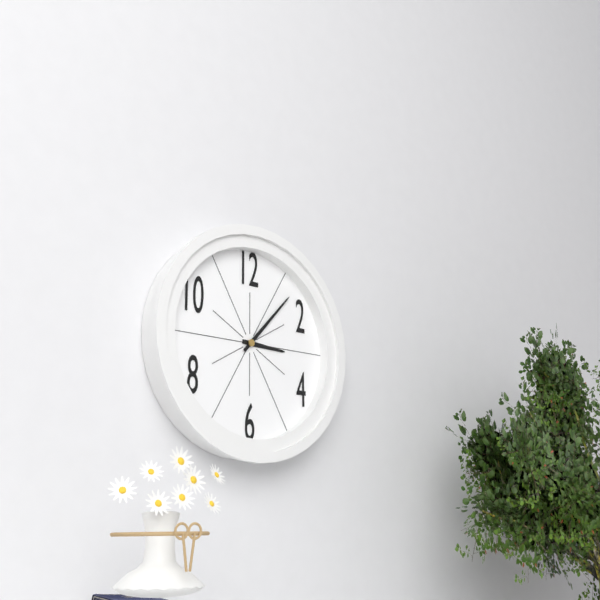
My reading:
h=3 m=7
